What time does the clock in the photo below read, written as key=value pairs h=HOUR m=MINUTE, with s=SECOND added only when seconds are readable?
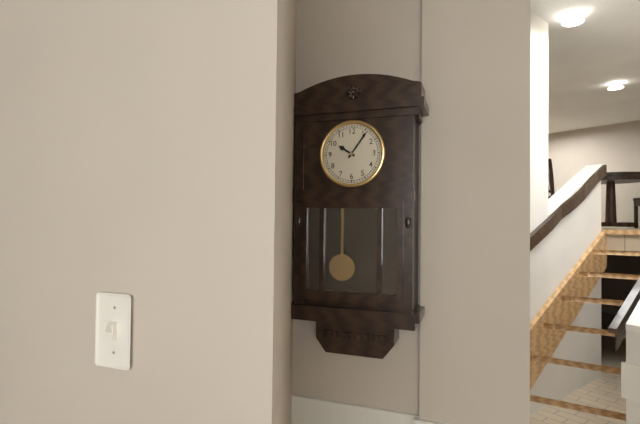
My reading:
h=10 m=6
